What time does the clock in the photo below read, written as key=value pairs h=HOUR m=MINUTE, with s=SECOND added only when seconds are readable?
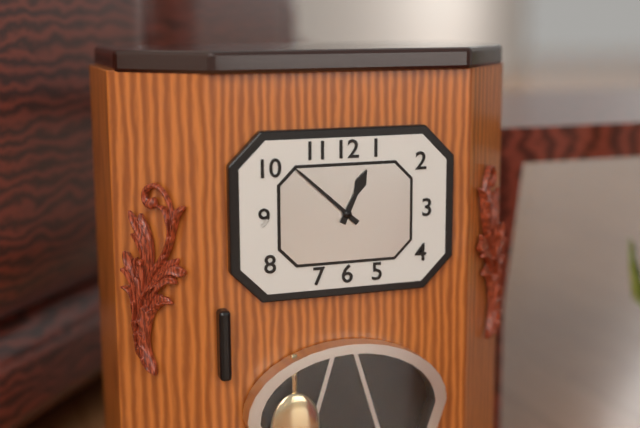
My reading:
h=12 m=52
